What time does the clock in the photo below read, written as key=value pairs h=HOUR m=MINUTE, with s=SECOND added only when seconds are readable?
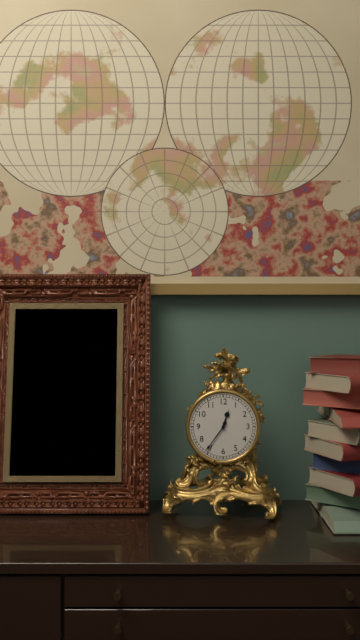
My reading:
h=12 m=36
